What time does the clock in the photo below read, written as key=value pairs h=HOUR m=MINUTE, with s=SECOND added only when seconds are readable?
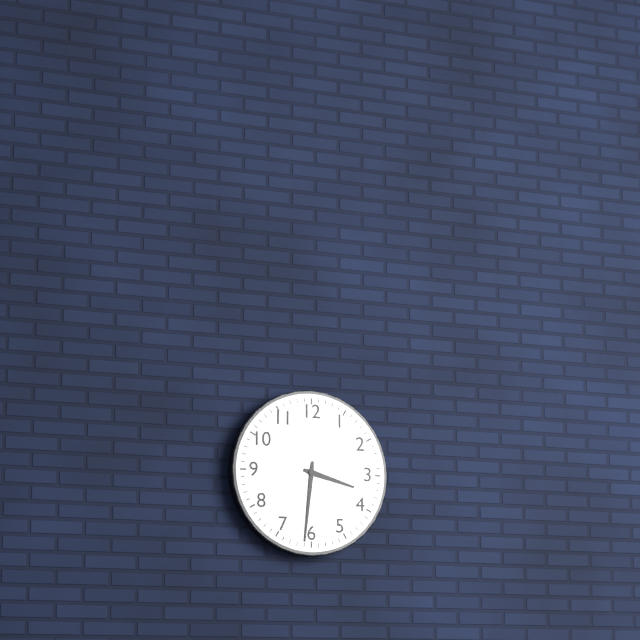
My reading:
h=3 m=31
